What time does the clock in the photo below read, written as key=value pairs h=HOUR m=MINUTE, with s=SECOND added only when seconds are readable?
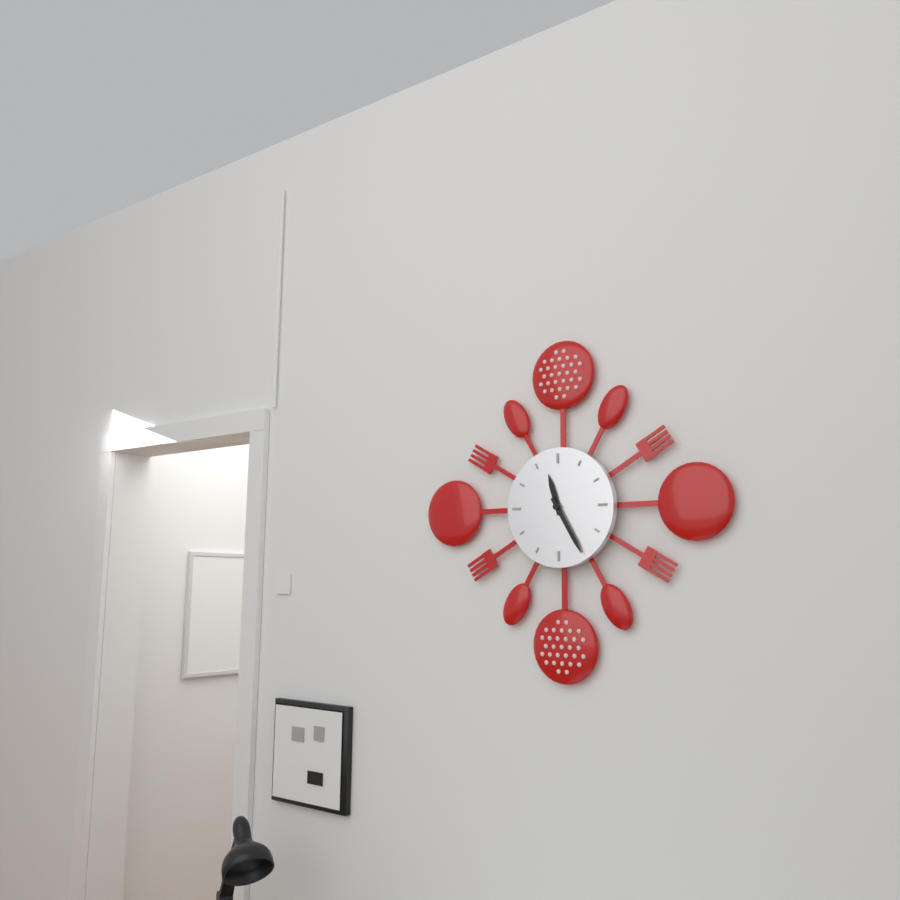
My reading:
h=11 m=25
